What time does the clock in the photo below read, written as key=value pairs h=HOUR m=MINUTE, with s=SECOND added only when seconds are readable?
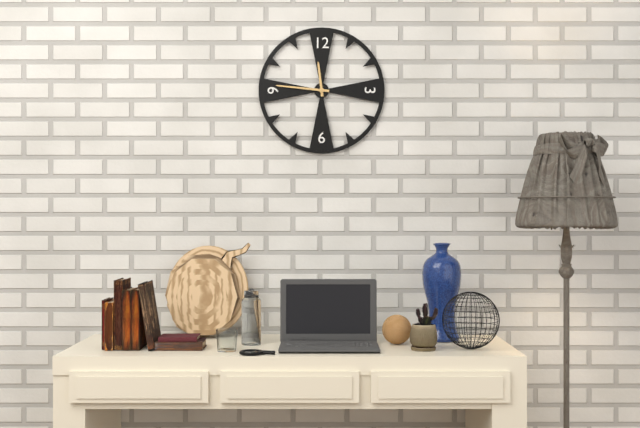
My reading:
h=11 m=46
